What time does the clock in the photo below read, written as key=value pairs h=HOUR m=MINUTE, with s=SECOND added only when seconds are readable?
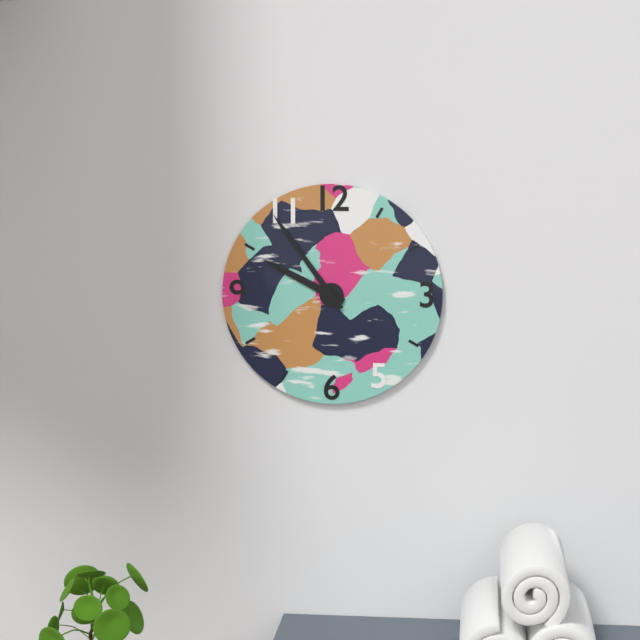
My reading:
h=9 m=54
